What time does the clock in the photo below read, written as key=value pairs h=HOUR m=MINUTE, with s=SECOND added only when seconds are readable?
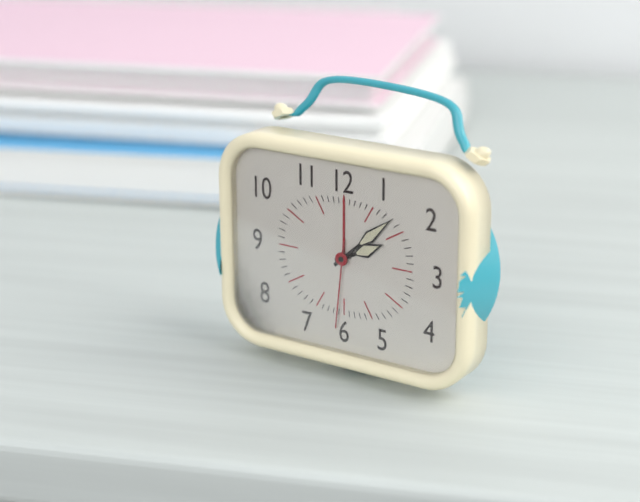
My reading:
h=2 m=8 s=31
